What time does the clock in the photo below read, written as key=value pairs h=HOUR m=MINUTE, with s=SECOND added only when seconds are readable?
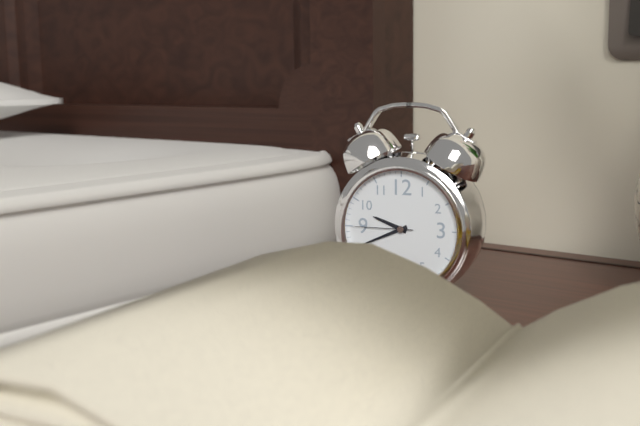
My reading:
h=9 m=41 s=45
